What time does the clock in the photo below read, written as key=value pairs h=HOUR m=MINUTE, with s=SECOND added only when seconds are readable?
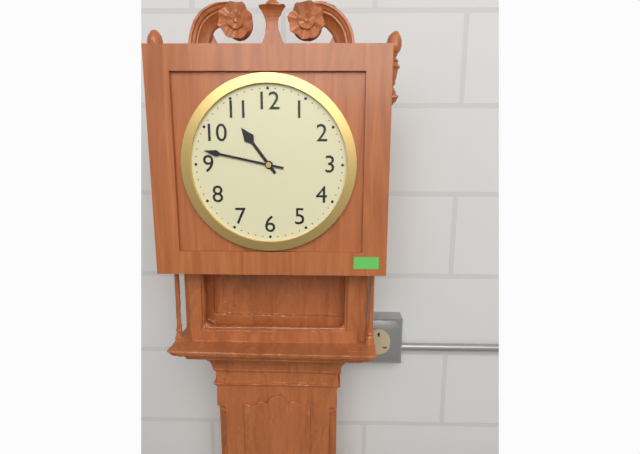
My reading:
h=10 m=47
